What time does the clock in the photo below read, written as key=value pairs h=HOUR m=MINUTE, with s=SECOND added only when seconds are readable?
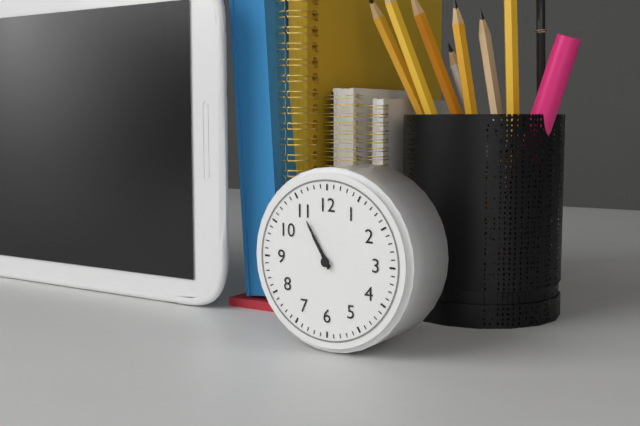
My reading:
h=10 m=55
